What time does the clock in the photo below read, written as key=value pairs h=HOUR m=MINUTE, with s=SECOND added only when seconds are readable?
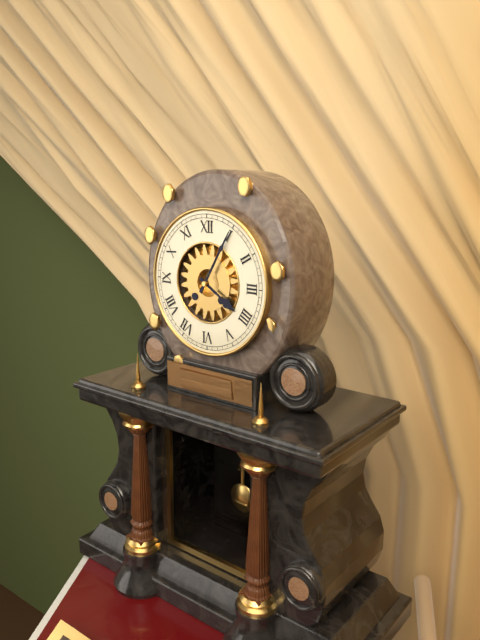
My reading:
h=4 m=5
